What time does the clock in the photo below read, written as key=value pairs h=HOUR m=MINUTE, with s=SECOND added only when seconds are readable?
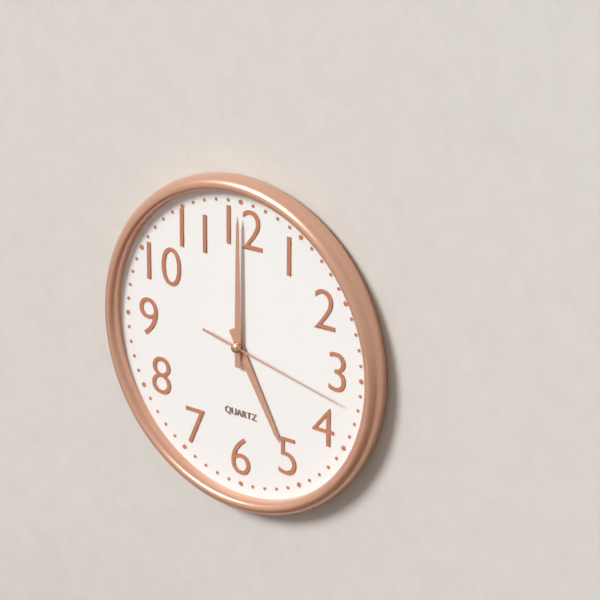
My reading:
h=5 m=0 s=17
